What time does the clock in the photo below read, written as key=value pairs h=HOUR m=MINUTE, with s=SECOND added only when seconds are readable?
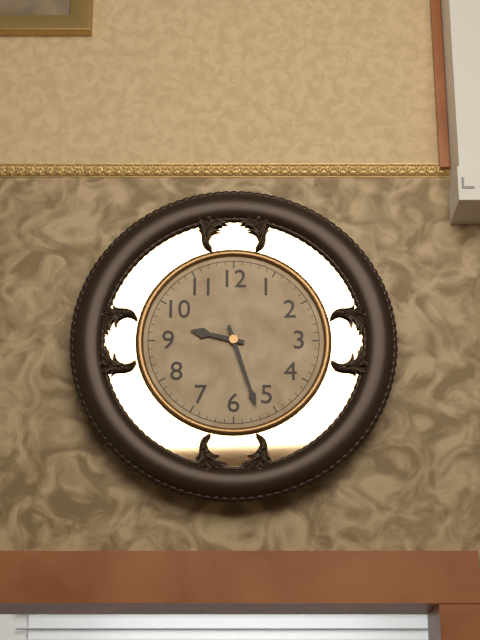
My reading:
h=9 m=27
